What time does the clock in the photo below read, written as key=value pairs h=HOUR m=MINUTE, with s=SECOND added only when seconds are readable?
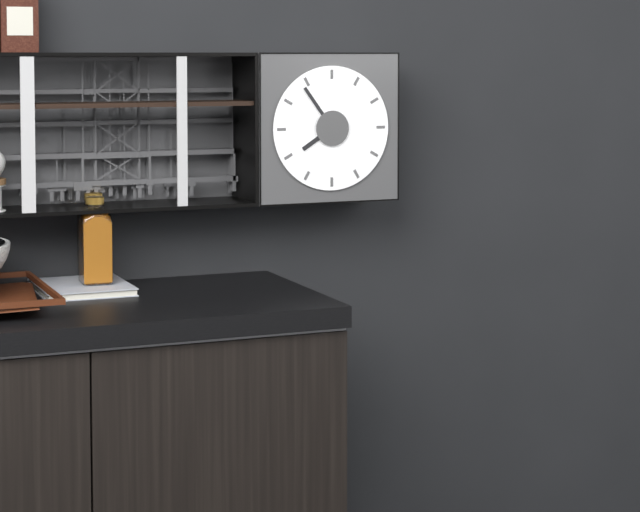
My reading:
h=7 m=54
